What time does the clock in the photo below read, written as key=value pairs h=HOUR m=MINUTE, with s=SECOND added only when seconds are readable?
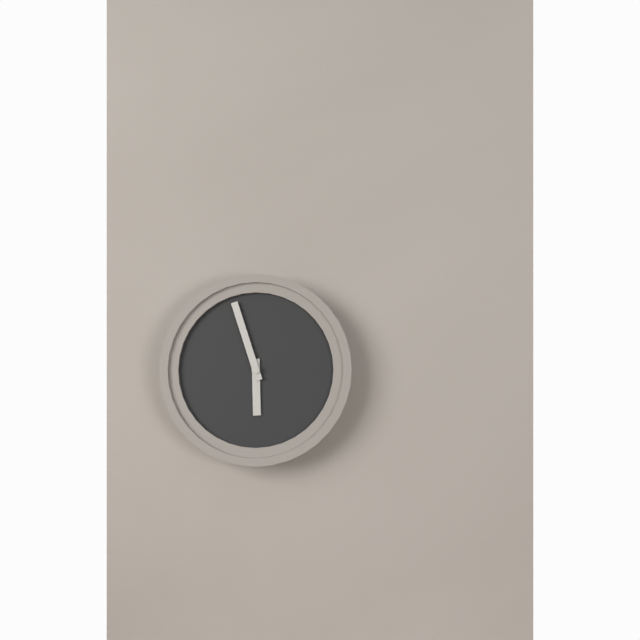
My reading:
h=5 m=57
